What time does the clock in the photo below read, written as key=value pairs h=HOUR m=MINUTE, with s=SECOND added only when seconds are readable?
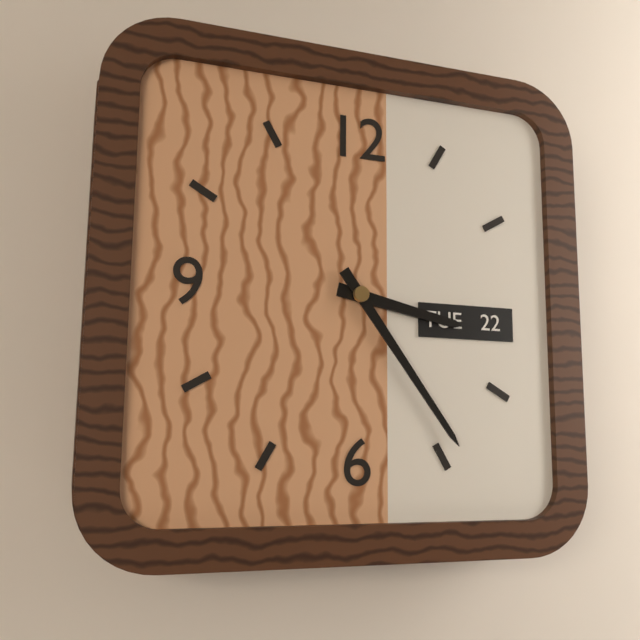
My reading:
h=3 m=24
